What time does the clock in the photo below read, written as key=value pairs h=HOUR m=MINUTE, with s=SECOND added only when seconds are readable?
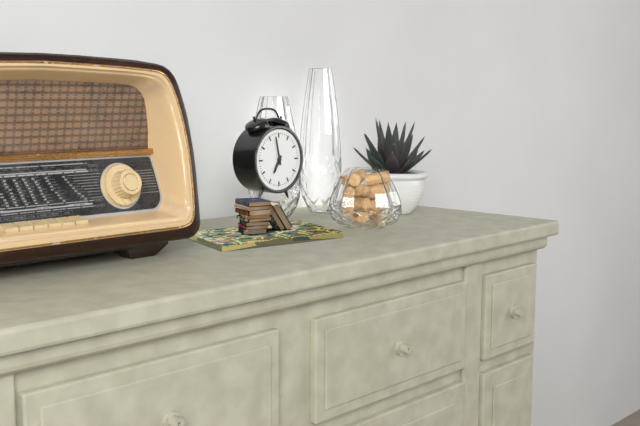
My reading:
h=6 m=58
